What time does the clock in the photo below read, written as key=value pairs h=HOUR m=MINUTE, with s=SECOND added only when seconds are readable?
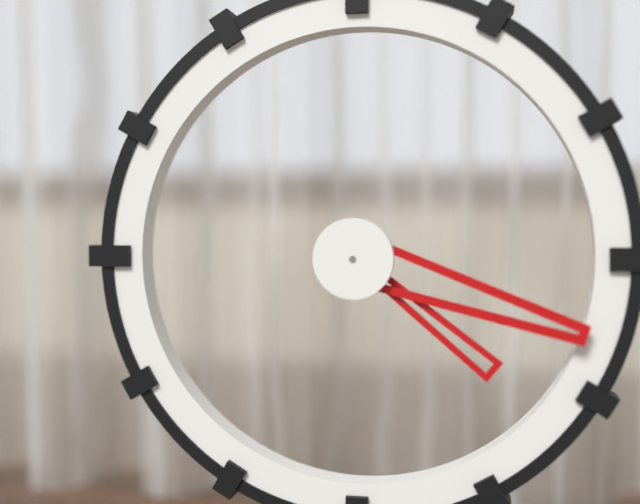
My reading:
h=4 m=18
